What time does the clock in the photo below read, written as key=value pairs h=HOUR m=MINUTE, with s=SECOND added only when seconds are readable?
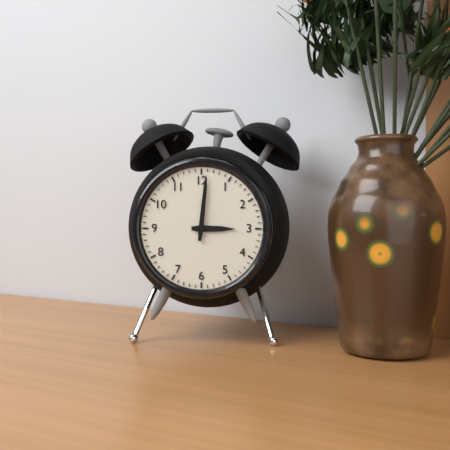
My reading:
h=3 m=1
